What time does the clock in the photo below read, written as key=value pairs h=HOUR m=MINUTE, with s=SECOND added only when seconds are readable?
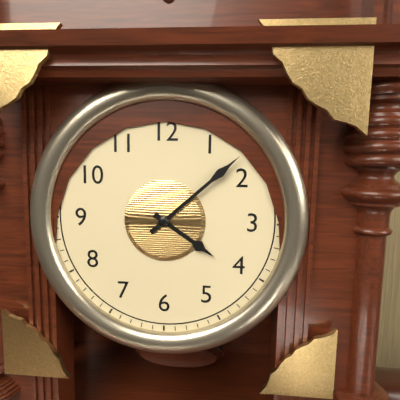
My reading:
h=4 m=8
